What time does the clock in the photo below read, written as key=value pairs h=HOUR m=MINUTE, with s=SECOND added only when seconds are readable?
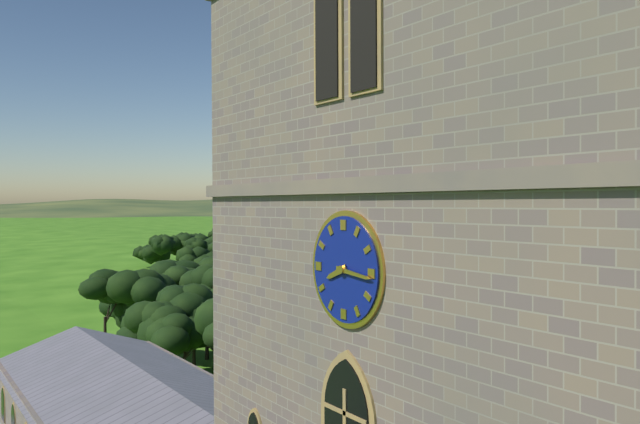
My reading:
h=8 m=16
